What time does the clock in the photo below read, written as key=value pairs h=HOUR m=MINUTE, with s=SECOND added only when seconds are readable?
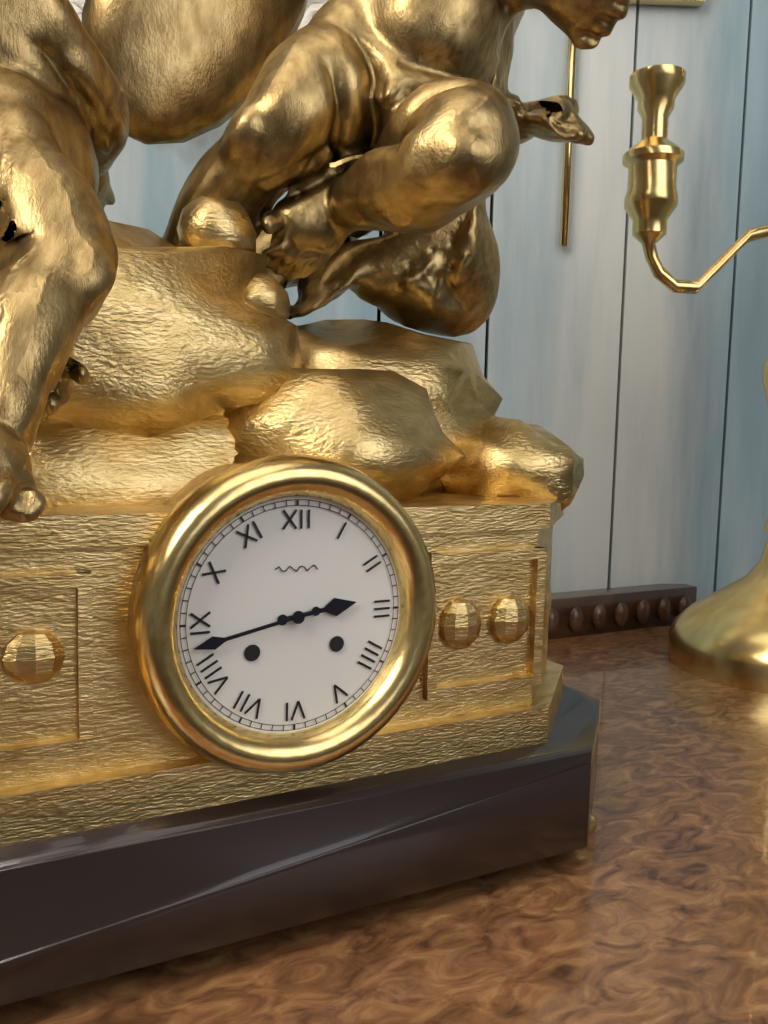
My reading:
h=2 m=43
